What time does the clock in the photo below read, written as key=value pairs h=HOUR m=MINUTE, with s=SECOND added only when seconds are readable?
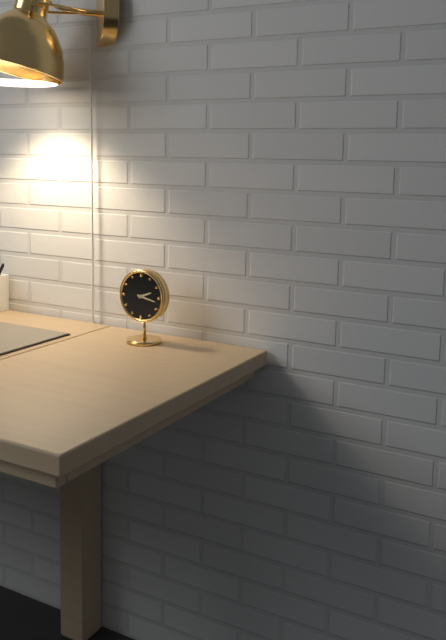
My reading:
h=2 m=17
